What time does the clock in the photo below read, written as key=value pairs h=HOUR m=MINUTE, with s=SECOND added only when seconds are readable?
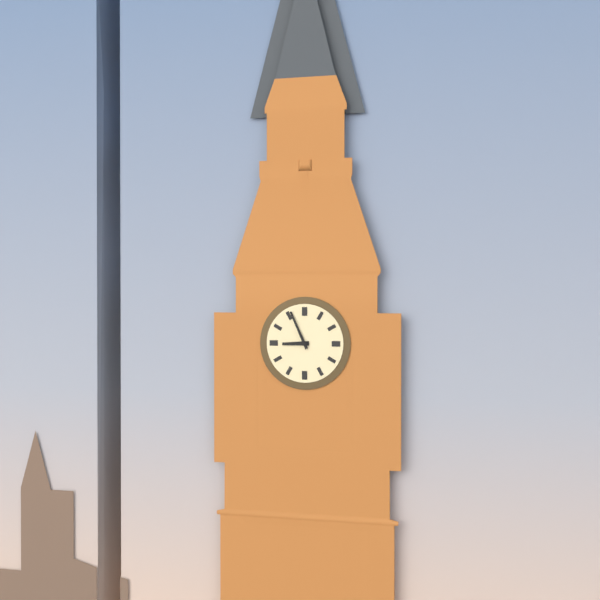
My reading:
h=8 m=56
